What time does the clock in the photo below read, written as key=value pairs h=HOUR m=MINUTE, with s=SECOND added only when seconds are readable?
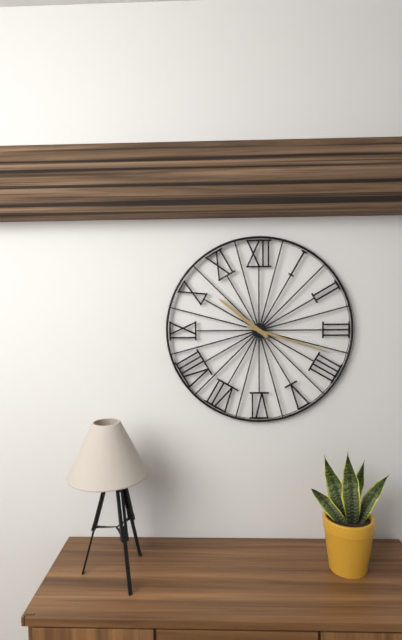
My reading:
h=10 m=18
